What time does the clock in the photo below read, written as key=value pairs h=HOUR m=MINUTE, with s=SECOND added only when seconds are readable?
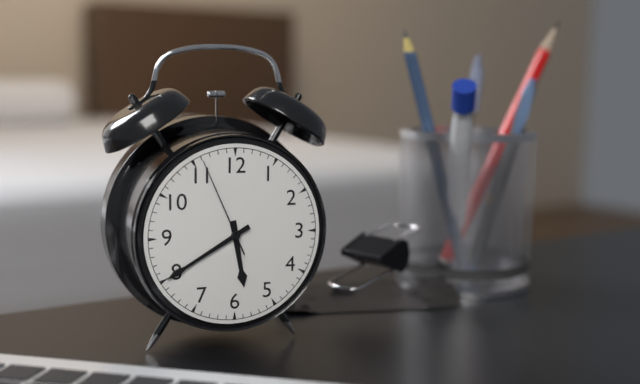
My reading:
h=5 m=40 s=56
